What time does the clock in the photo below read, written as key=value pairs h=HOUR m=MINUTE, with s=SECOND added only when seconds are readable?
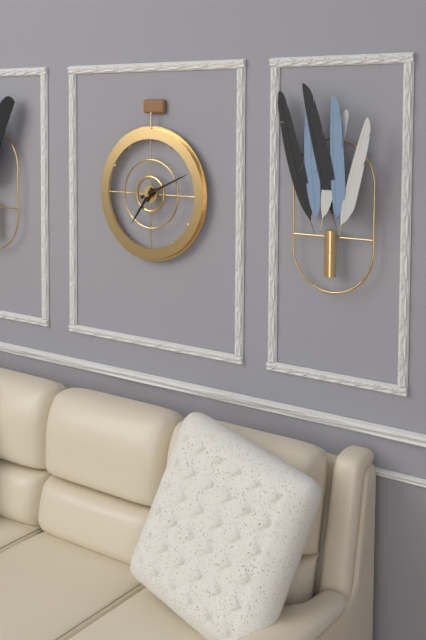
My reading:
h=7 m=11
